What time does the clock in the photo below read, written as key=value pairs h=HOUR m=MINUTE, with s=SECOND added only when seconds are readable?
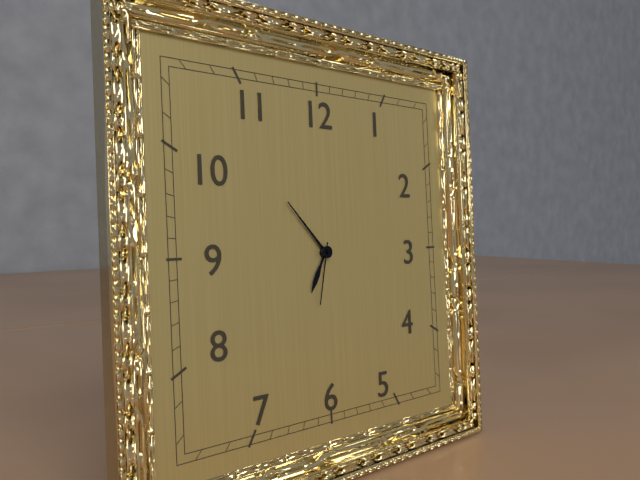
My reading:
h=6 m=53 s=32
